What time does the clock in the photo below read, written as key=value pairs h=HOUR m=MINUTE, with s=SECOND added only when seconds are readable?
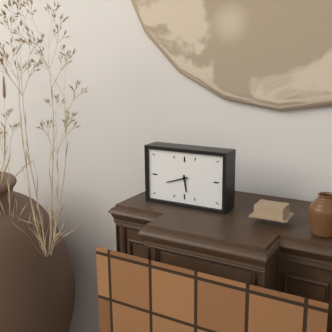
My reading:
h=5 m=42
